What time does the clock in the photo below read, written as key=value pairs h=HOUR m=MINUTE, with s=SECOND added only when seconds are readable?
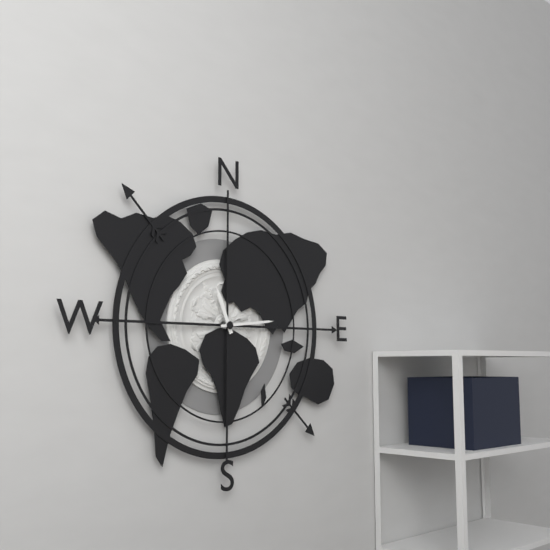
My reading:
h=11 m=14
